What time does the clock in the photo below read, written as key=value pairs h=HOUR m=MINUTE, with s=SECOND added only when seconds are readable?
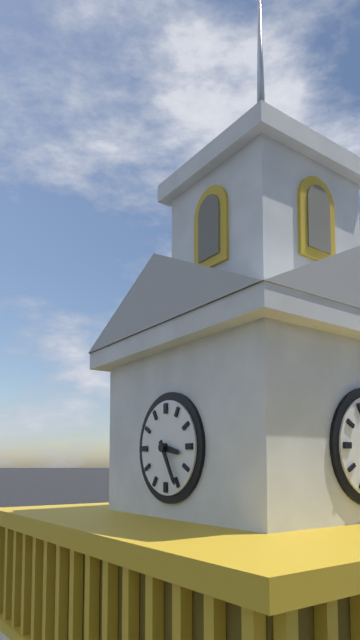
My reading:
h=3 m=25
